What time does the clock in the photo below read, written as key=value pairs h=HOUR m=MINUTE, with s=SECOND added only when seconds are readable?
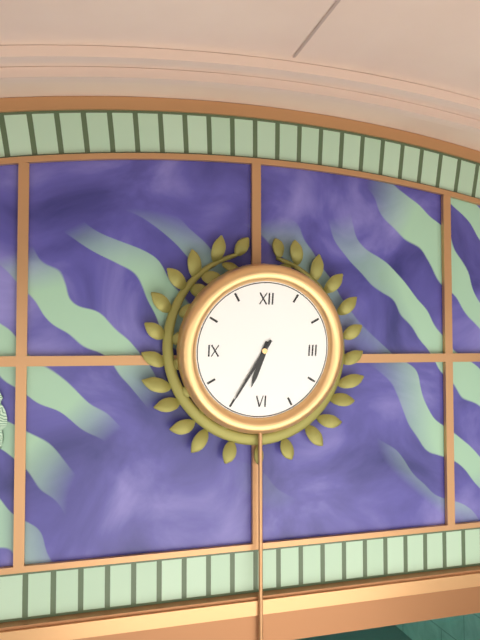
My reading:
h=6 m=35
